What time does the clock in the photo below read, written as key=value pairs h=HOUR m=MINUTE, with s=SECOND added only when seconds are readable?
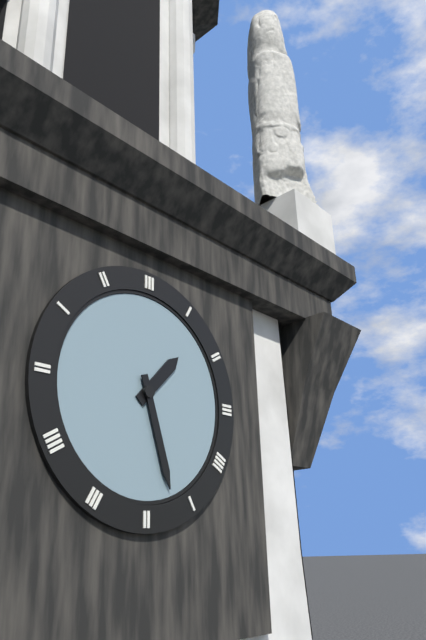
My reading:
h=1 m=27
